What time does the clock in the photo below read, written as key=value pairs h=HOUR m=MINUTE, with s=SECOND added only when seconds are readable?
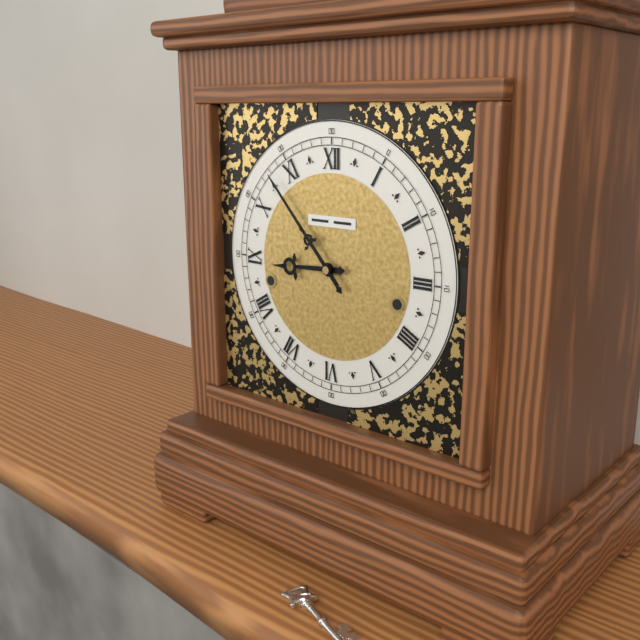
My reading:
h=8 m=53
